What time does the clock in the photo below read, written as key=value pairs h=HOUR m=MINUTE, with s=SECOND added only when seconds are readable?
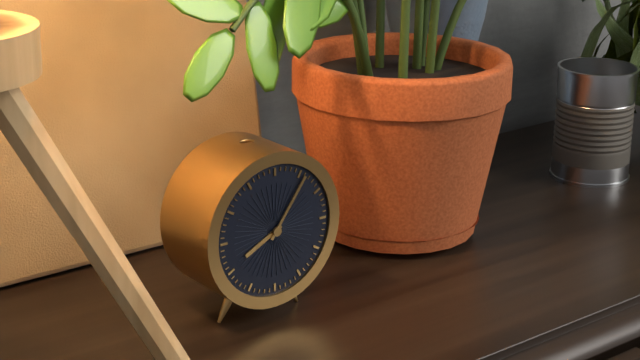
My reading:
h=8 m=6
